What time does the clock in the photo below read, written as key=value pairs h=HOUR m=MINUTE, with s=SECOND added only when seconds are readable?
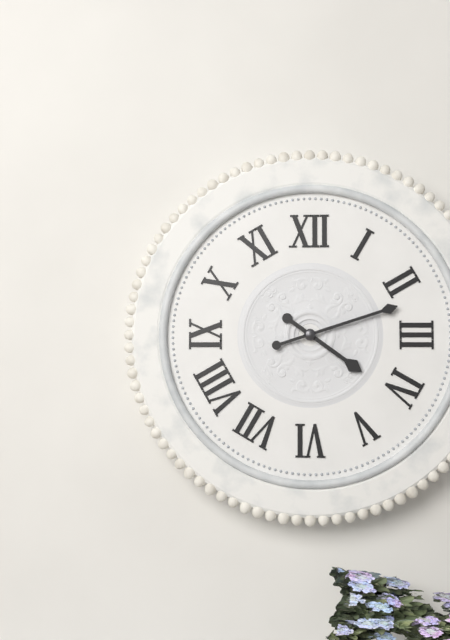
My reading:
h=4 m=12
